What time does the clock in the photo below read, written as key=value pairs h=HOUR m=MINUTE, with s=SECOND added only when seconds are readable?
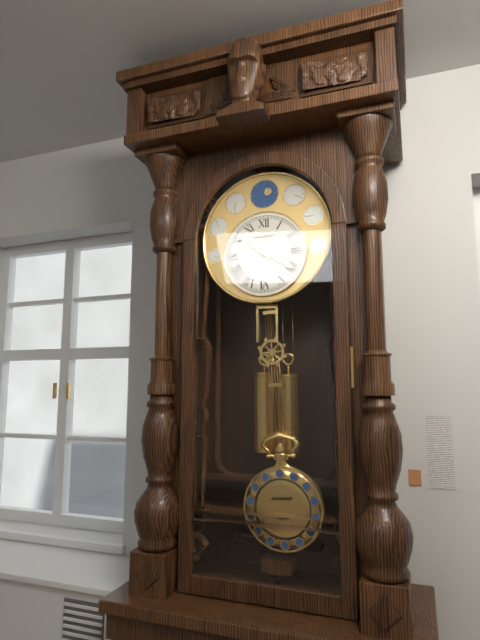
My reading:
h=10 m=20
